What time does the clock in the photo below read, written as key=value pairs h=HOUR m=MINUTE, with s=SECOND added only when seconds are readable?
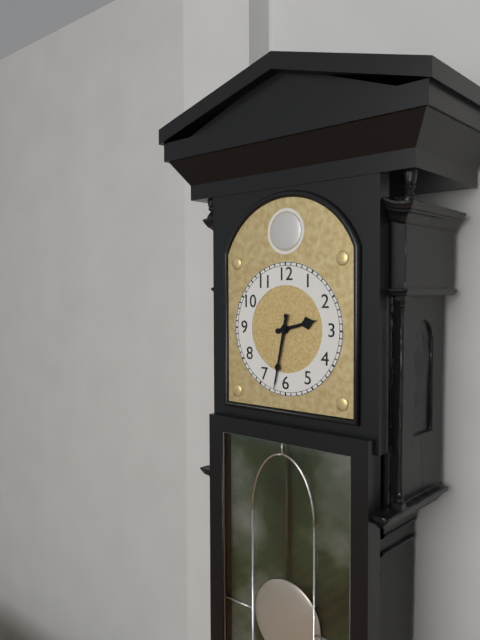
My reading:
h=2 m=32
